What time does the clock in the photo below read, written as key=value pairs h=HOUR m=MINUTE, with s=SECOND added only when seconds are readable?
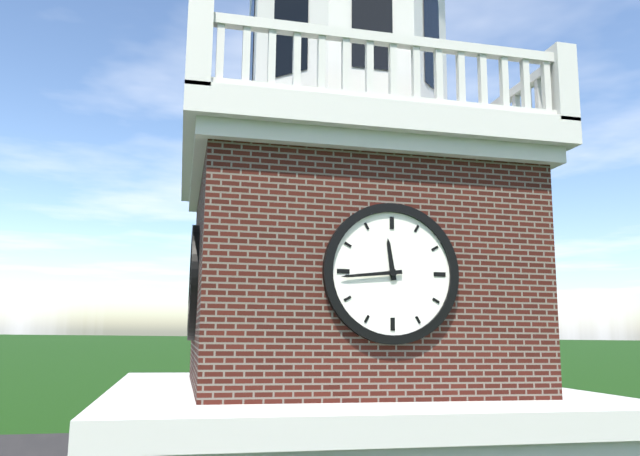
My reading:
h=11 m=44
